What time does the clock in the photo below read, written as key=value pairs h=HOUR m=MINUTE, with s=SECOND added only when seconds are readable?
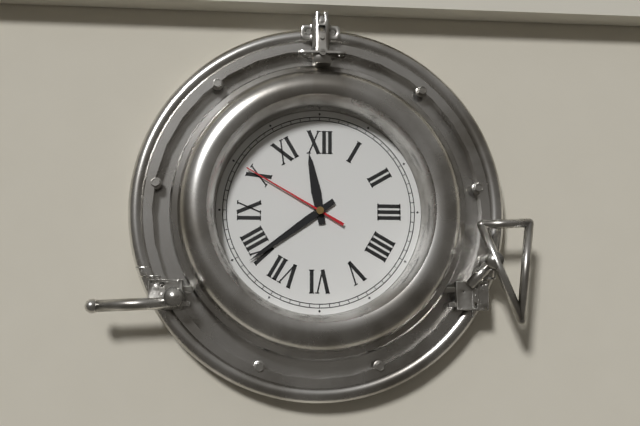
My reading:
h=11 m=39 s=50
